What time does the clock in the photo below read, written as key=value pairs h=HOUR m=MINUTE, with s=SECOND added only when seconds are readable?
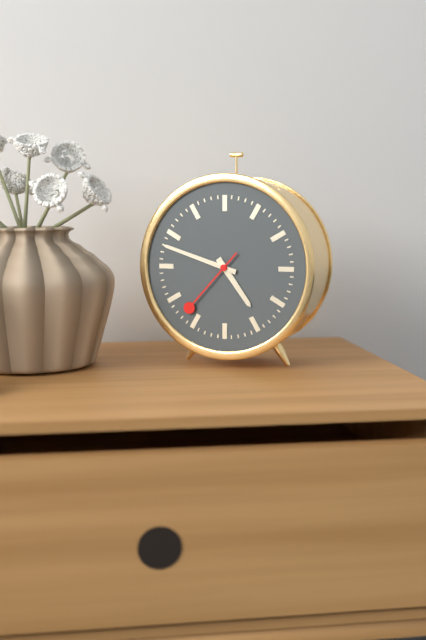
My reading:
h=4 m=48 s=37
